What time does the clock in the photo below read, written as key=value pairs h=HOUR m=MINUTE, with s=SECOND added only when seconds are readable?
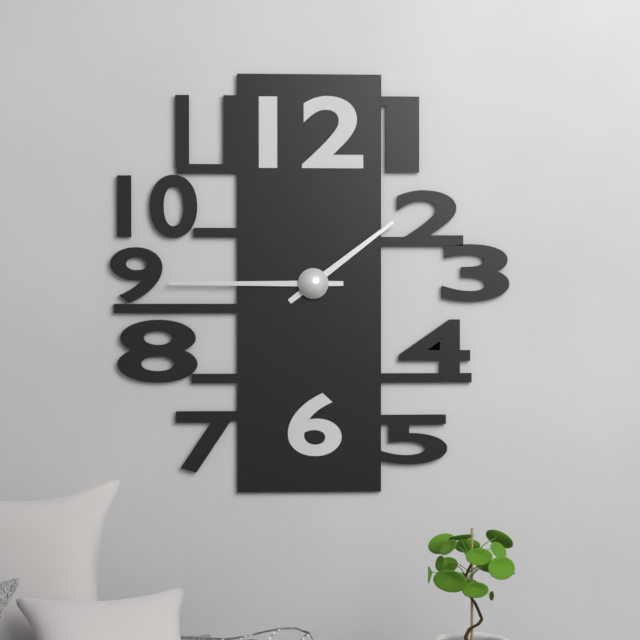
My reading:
h=1 m=45
